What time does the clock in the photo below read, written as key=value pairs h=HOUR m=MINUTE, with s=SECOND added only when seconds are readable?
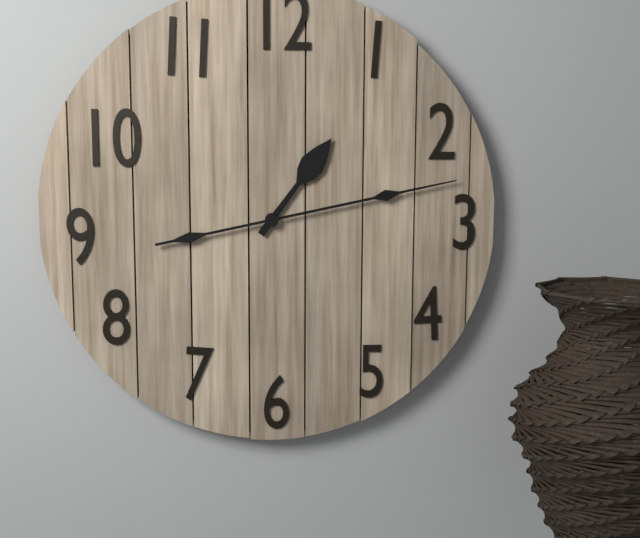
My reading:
h=1 m=13
